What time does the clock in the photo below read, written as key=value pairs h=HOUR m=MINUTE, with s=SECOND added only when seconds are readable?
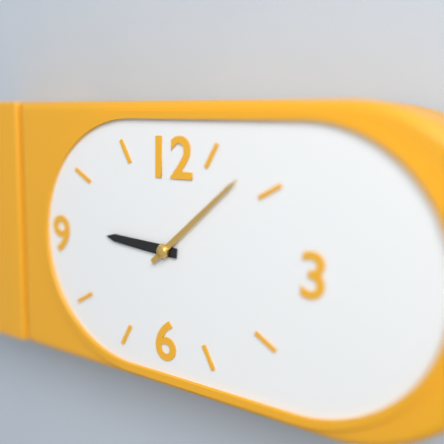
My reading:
h=9 m=8
